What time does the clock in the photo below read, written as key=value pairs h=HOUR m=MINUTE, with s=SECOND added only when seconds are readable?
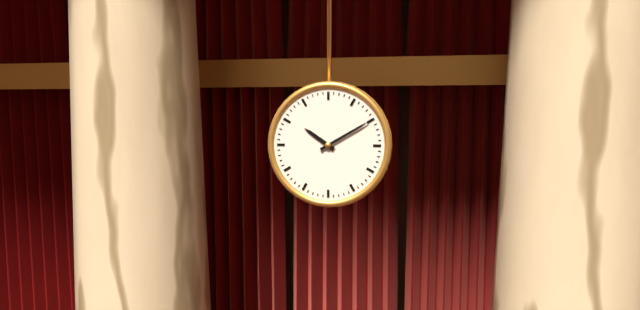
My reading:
h=10 m=10
